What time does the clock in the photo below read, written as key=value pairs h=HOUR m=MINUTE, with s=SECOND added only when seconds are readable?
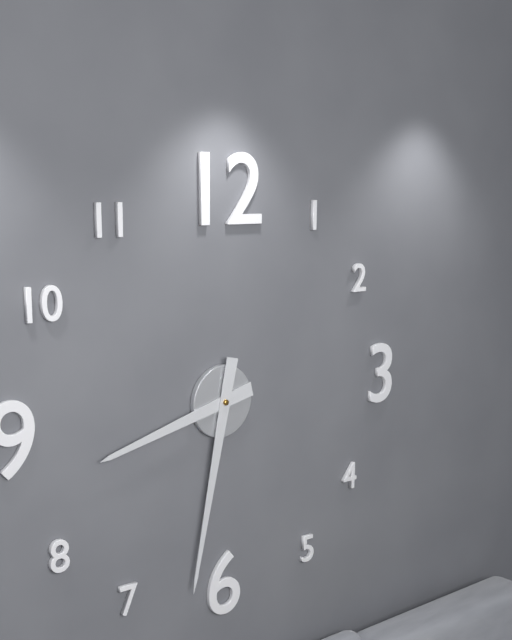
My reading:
h=8 m=32
